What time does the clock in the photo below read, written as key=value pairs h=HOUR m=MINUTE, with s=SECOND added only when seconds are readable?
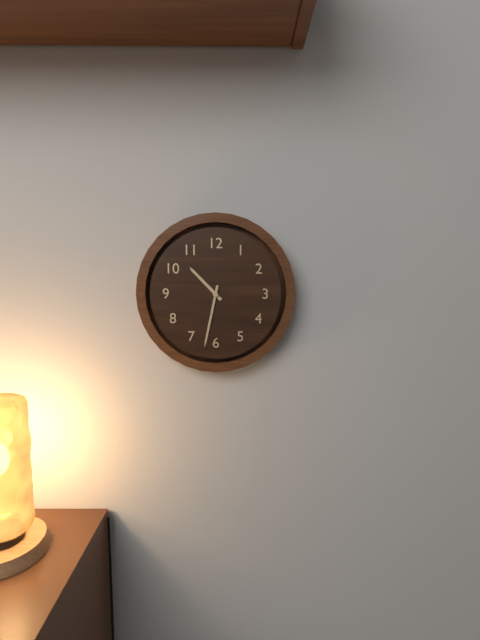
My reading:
h=10 m=32
